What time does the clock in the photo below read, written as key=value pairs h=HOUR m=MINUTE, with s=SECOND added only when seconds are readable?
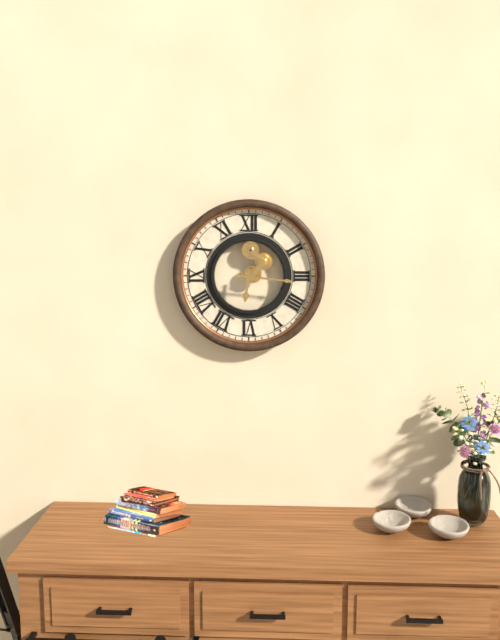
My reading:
h=6 m=16
